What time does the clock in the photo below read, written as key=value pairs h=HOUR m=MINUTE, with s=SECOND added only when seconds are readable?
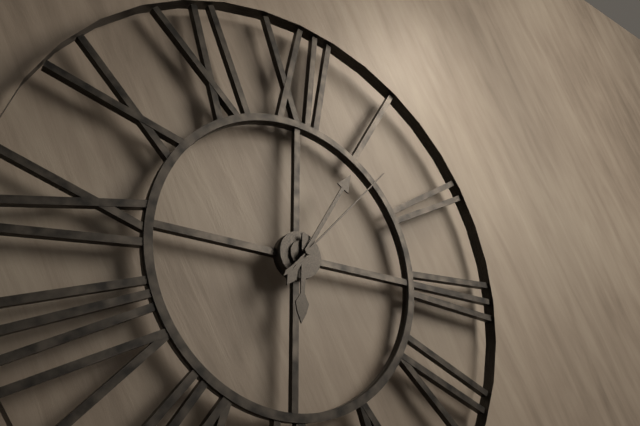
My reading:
h=6 m=5 s=7
